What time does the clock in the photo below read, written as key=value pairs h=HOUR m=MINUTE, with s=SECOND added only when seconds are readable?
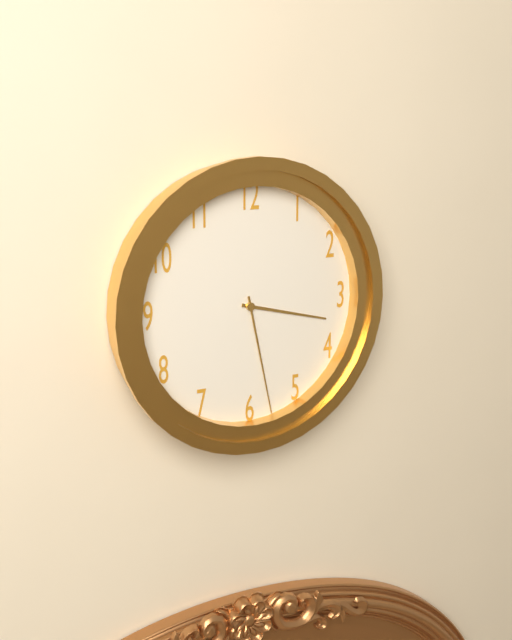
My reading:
h=3 m=28
